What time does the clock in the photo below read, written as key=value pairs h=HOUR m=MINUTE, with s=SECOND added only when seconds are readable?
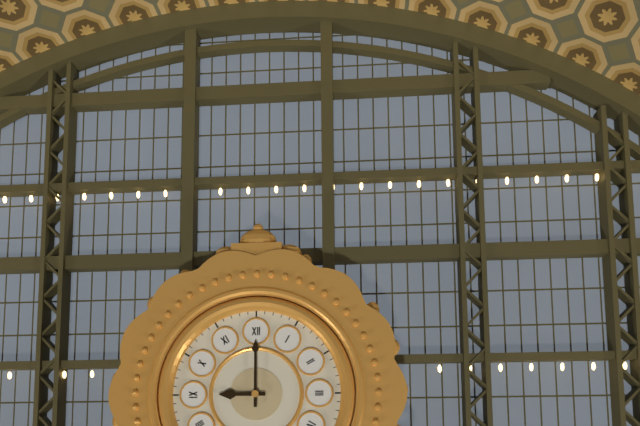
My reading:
h=9 m=0
